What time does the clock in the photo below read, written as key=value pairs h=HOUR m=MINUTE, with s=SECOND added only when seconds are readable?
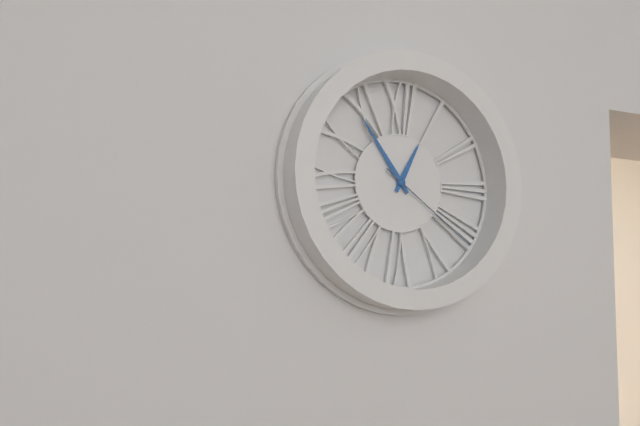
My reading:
h=12 m=54 s=21
